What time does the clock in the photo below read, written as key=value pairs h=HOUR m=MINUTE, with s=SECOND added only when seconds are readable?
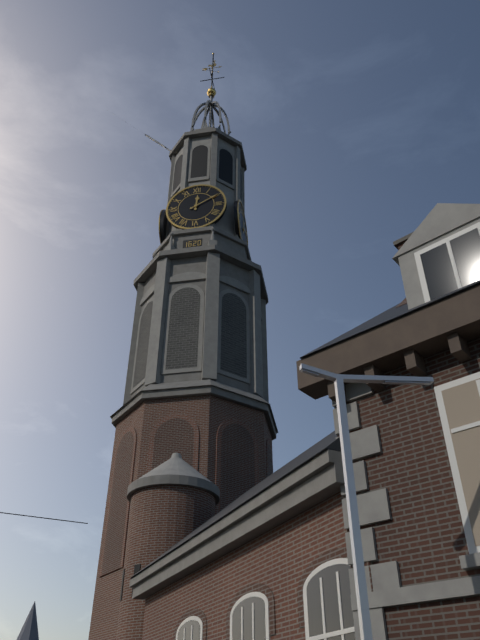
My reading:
h=12 m=10
